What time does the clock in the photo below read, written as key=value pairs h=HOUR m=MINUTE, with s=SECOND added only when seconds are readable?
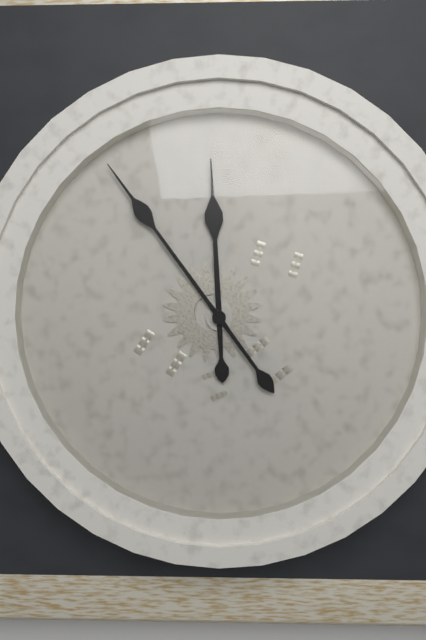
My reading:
h=11 m=54
